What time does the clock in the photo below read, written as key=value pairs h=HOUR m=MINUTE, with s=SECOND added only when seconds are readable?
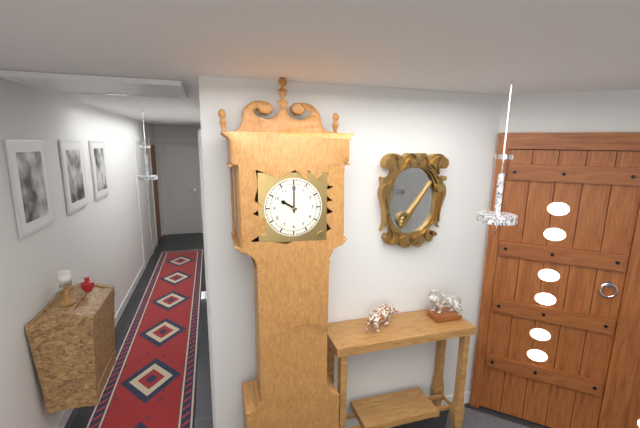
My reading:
h=10 m=0
